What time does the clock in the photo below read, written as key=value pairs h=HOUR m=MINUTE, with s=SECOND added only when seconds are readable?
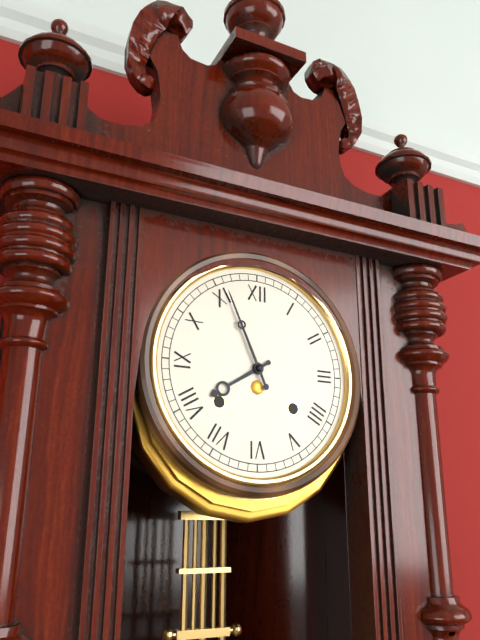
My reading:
h=7 m=56
